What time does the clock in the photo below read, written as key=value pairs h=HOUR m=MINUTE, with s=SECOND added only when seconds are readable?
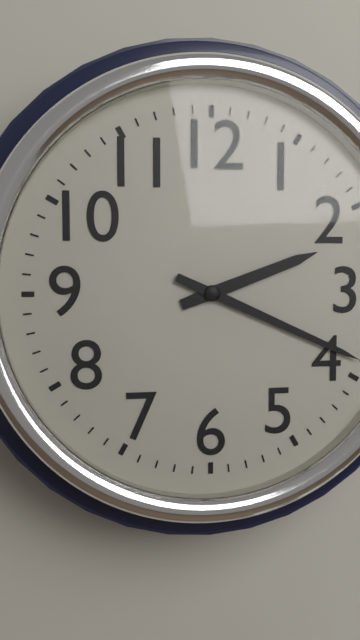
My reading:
h=2 m=19
